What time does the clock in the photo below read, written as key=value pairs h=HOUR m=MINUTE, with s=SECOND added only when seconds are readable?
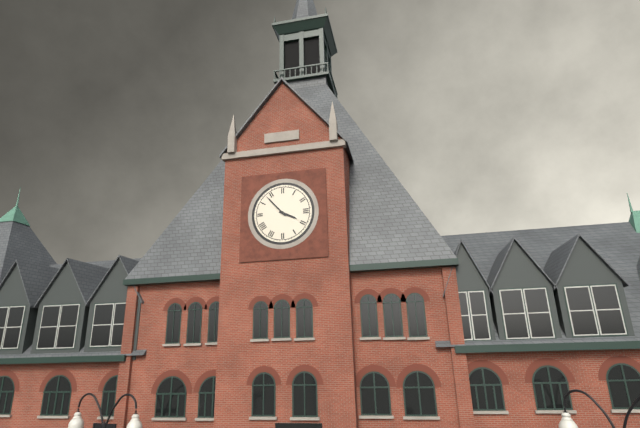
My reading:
h=3 m=53
